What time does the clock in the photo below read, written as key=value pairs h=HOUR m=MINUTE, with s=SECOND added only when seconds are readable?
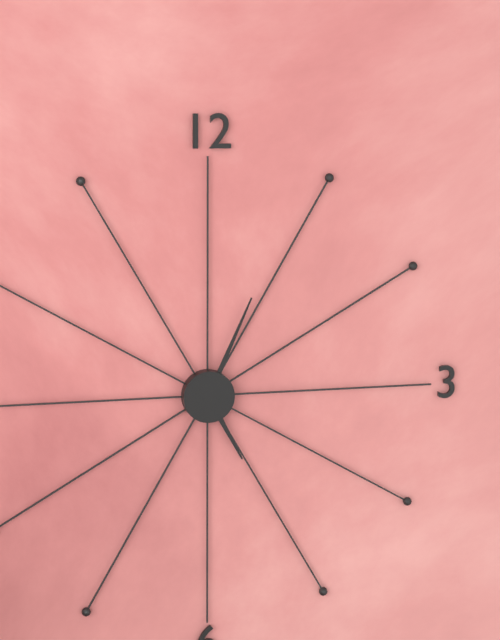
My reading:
h=5 m=4
